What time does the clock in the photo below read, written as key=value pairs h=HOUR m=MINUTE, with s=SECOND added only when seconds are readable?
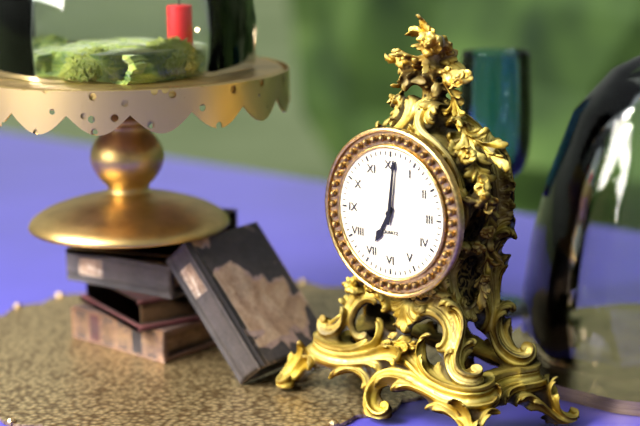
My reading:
h=7 m=1
